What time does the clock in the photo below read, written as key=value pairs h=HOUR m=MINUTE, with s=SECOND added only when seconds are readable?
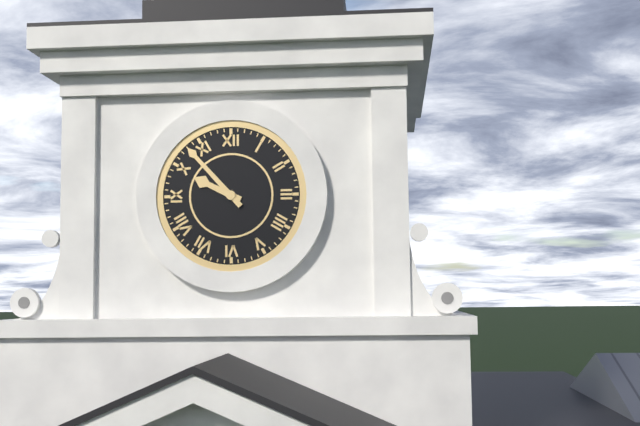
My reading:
h=9 m=53
